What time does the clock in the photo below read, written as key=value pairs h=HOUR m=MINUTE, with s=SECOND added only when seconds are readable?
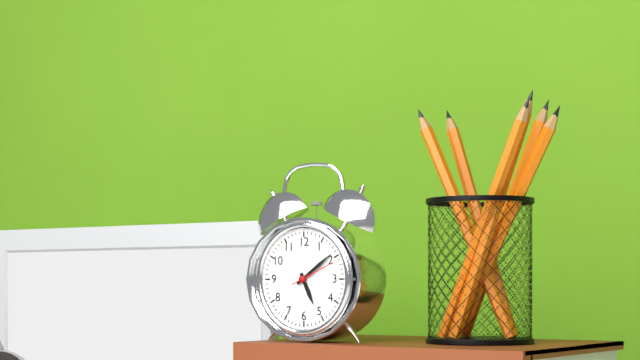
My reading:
h=5 m=9
